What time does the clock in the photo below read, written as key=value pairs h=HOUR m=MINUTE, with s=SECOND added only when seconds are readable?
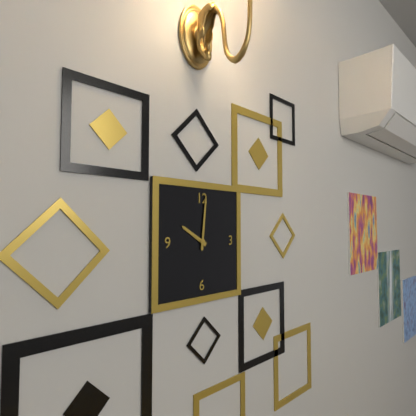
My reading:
h=10 m=1
